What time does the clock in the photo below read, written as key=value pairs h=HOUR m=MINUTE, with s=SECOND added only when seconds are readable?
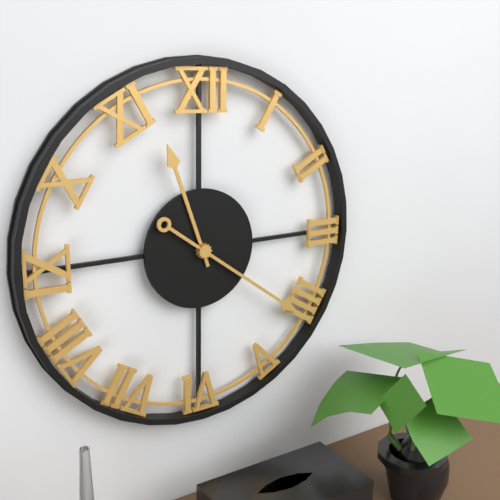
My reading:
h=11 m=21
